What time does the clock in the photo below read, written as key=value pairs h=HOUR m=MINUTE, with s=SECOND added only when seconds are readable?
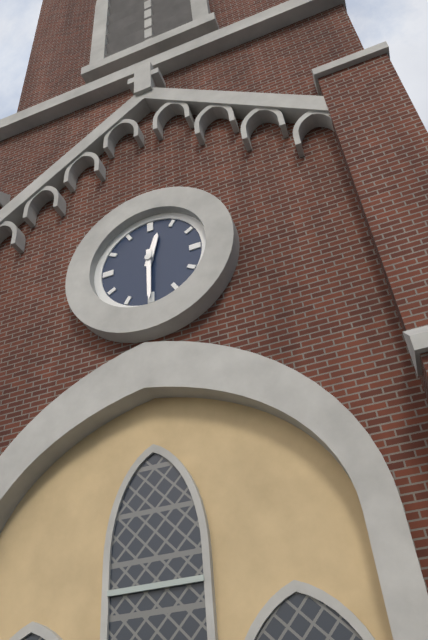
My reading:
h=12 m=30
